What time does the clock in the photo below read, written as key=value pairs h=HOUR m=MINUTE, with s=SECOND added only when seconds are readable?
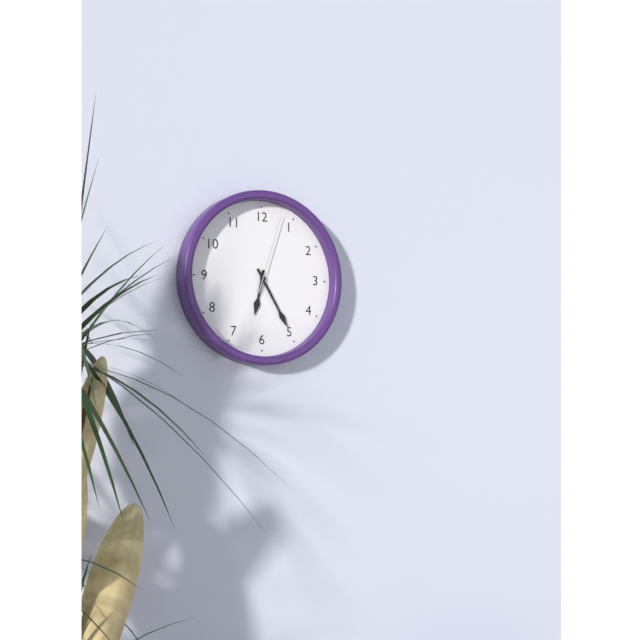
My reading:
h=6 m=25 s=3
